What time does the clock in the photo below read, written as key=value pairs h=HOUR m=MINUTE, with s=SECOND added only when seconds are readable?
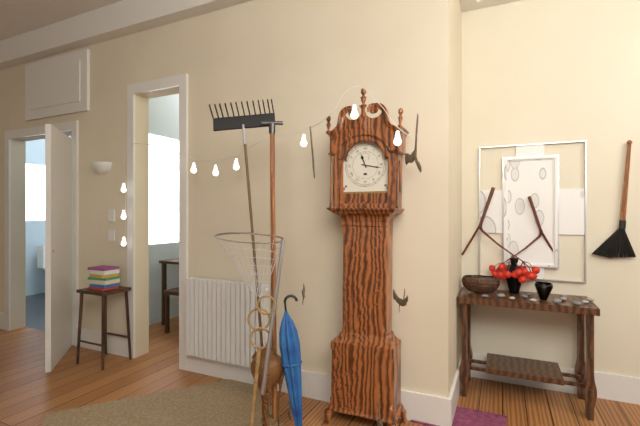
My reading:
h=11 m=17
